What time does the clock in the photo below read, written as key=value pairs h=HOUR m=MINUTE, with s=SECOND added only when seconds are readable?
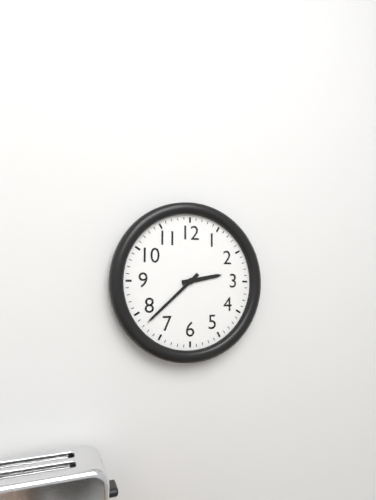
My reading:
h=2 m=38
